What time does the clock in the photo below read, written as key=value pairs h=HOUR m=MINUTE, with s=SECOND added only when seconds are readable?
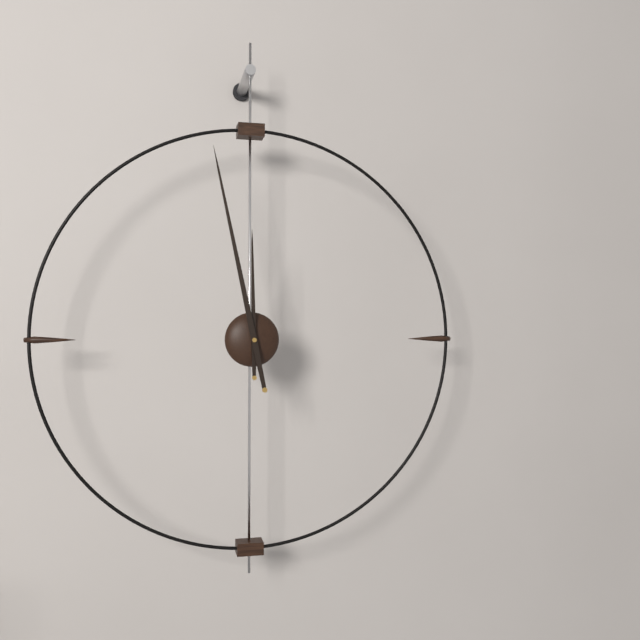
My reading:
h=11 m=58
